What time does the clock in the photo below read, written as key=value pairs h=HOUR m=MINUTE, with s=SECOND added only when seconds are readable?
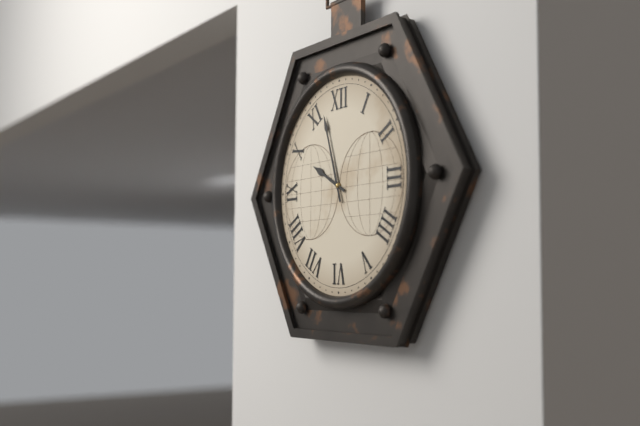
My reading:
h=9 m=57
